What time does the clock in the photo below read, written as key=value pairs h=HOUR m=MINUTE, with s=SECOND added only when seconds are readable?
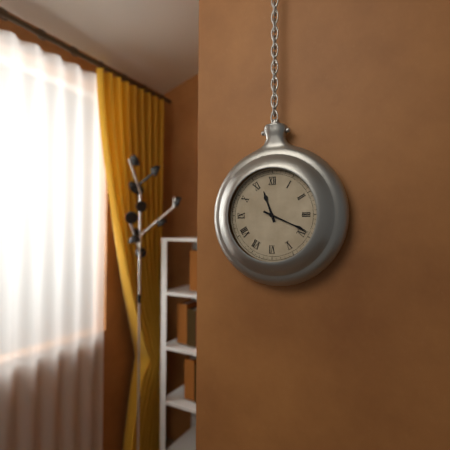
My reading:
h=11 m=19
